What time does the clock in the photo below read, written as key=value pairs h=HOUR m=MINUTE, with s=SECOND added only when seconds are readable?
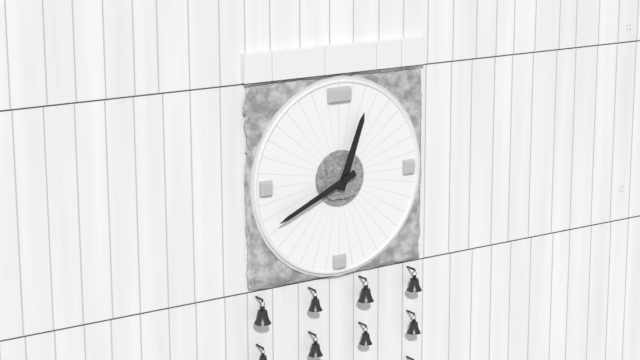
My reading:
h=12 m=41
